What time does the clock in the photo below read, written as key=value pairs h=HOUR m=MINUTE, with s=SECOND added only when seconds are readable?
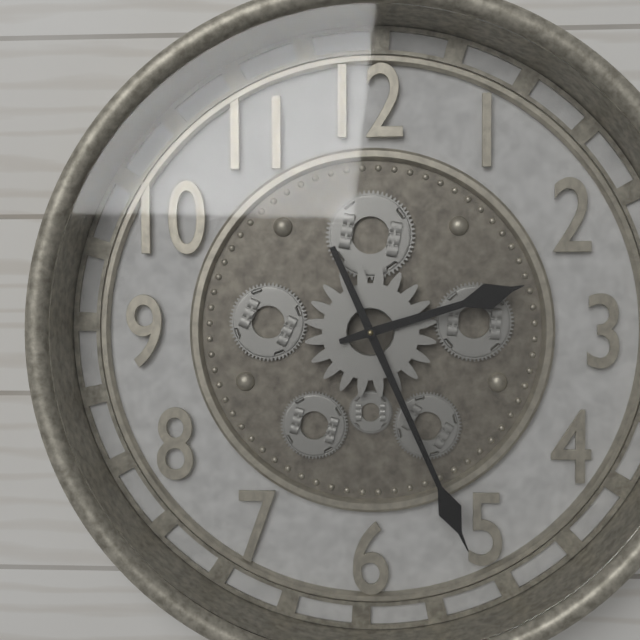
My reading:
h=2 m=26
